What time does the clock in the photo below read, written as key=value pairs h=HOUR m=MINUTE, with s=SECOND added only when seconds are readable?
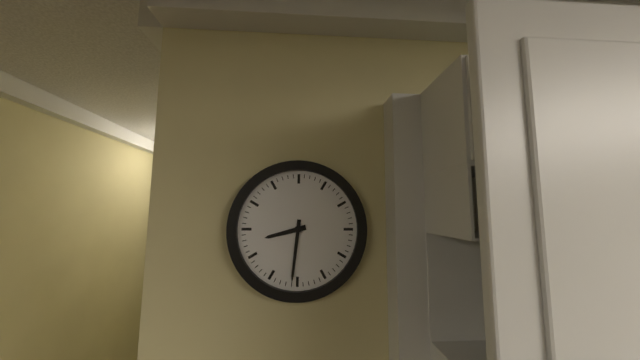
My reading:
h=8 m=31
